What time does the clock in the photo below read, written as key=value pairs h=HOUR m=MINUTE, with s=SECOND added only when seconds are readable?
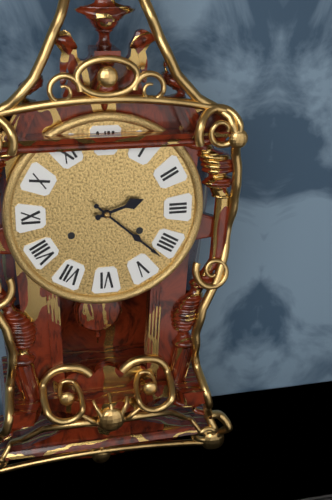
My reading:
h=2 m=22
